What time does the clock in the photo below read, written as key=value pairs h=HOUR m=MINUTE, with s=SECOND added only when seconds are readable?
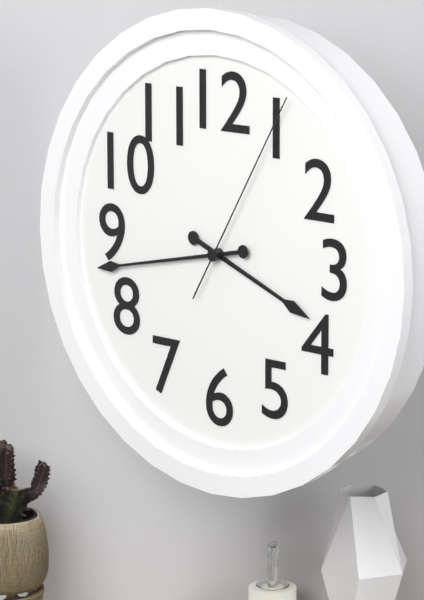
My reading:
h=3 m=43 s=5
